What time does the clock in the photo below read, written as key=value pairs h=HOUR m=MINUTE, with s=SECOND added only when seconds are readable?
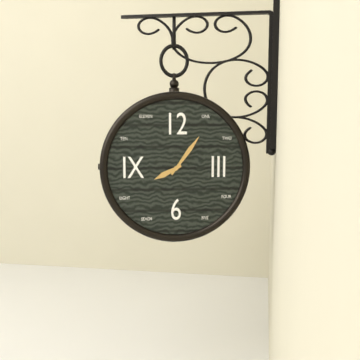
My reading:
h=8 m=6
